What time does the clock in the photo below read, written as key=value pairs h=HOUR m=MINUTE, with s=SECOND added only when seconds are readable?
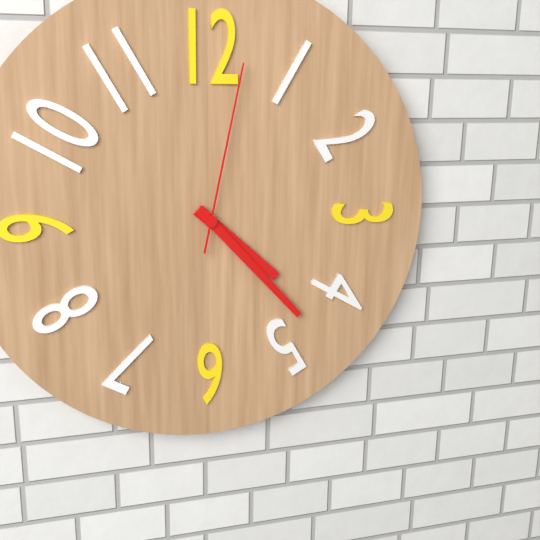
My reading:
h=4 m=23 s=2
